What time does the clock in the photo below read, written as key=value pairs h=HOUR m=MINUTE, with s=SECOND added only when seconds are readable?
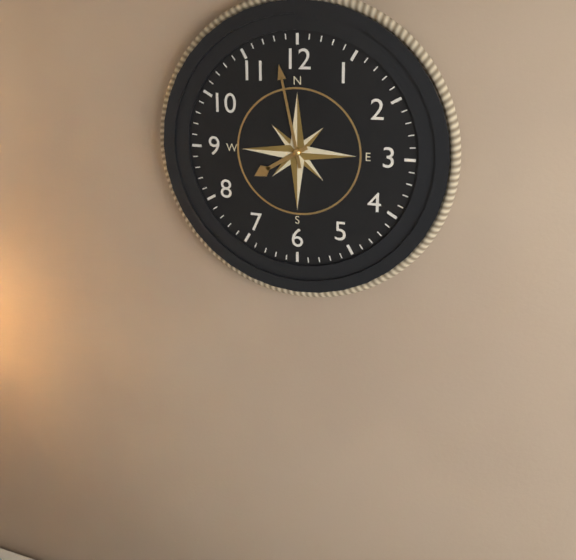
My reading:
h=7 m=58
